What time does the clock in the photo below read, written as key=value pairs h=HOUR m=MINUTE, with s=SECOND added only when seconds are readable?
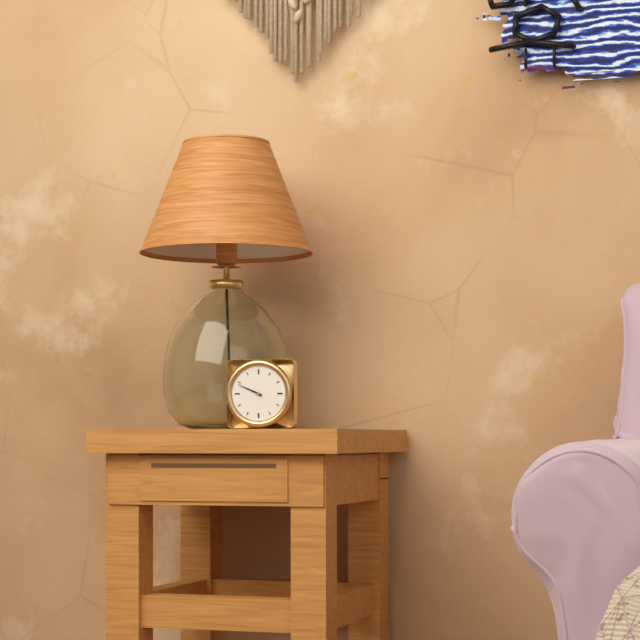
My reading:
h=9 m=49
